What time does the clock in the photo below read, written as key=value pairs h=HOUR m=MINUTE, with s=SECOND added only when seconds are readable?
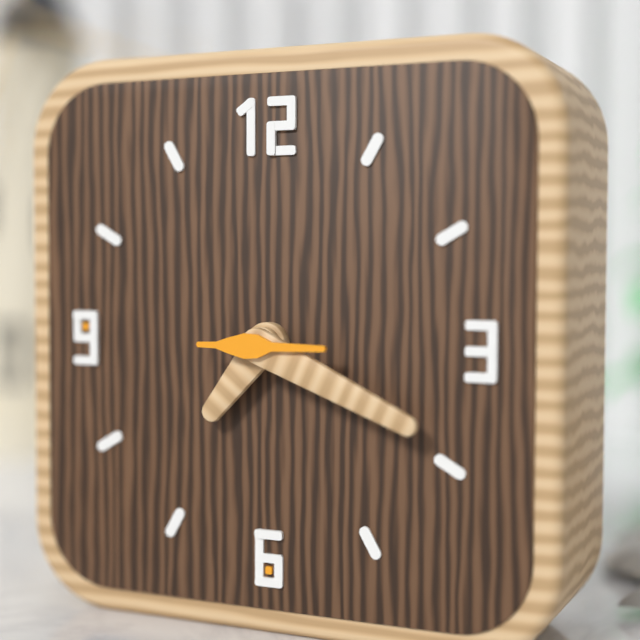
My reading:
h=7 m=19 s=15
